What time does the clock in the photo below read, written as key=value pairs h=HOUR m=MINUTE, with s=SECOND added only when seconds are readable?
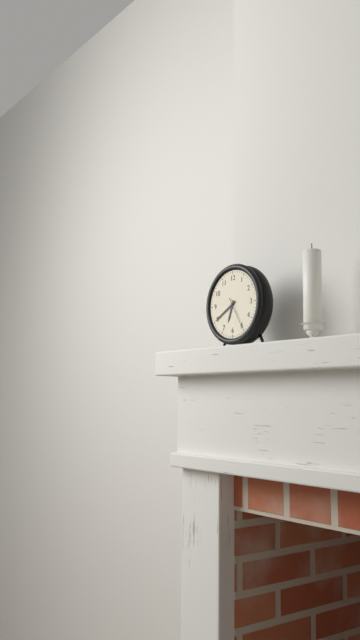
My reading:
h=6 m=40
